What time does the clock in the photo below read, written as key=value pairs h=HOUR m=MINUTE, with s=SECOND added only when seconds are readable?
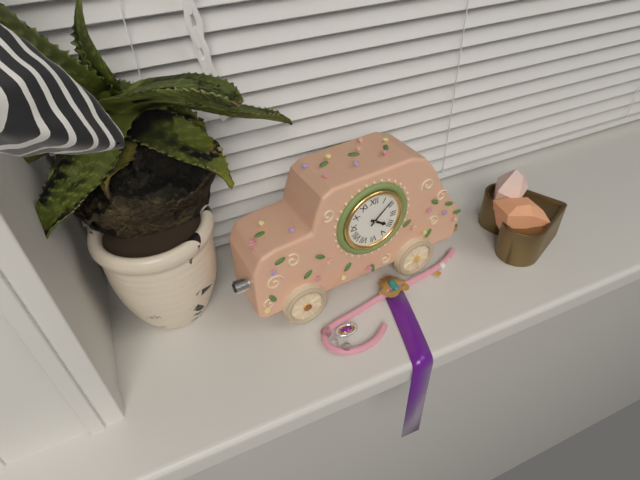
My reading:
h=4 m=8
